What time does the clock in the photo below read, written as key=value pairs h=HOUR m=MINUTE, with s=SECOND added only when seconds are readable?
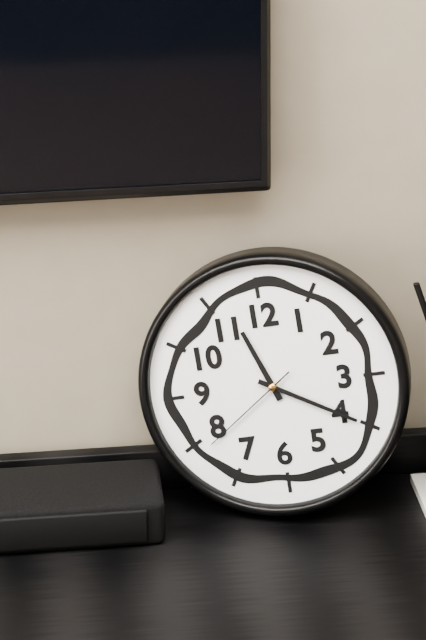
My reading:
h=11 m=20 s=39
